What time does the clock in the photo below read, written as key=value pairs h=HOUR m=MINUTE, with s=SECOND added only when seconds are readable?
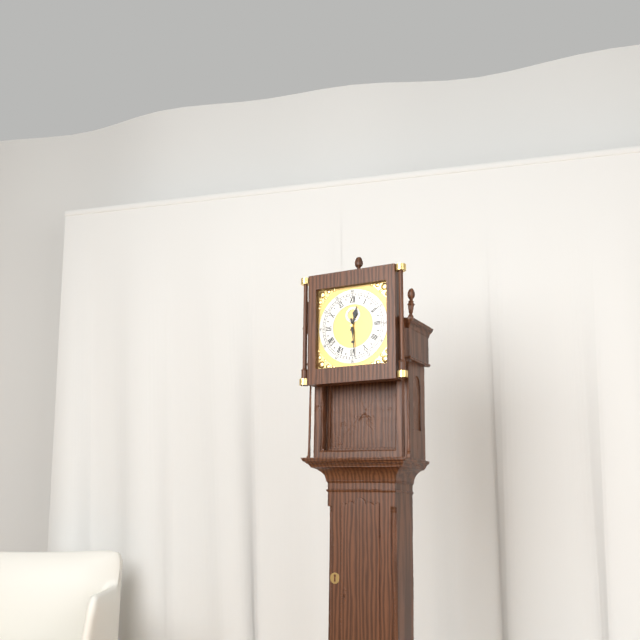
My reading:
h=12 m=29
